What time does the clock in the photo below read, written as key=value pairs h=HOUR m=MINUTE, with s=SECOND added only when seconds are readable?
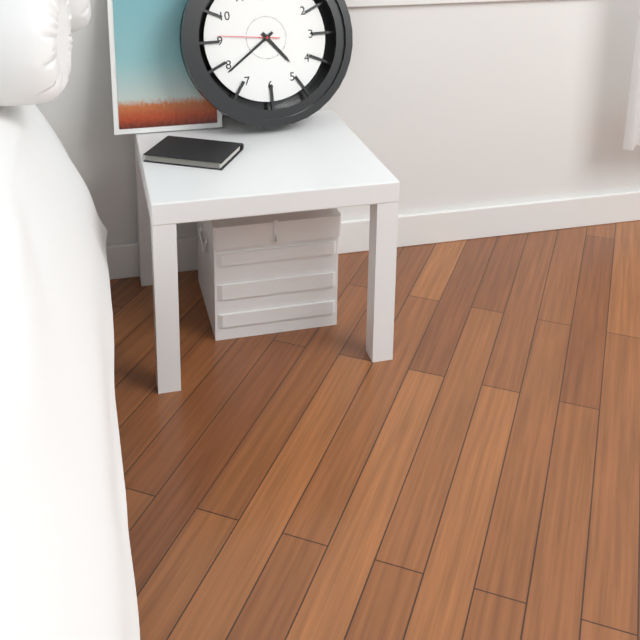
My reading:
h=4 m=39 s=46
